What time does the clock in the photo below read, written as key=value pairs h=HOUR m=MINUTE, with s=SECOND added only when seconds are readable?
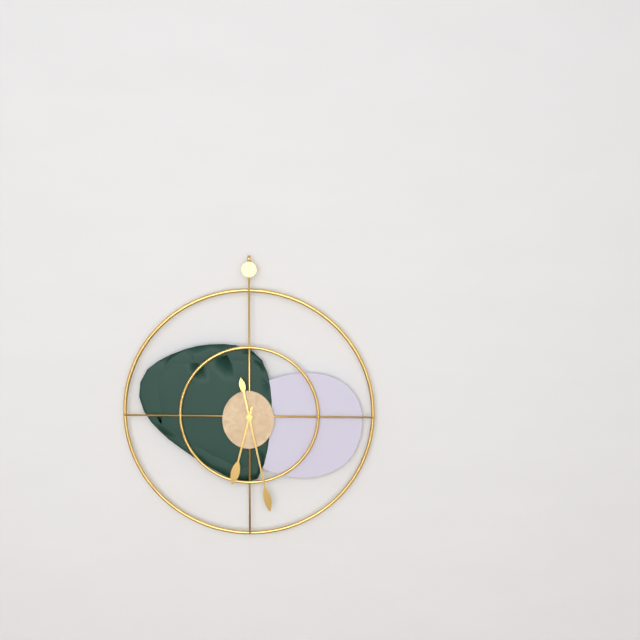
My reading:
h=6 m=28
